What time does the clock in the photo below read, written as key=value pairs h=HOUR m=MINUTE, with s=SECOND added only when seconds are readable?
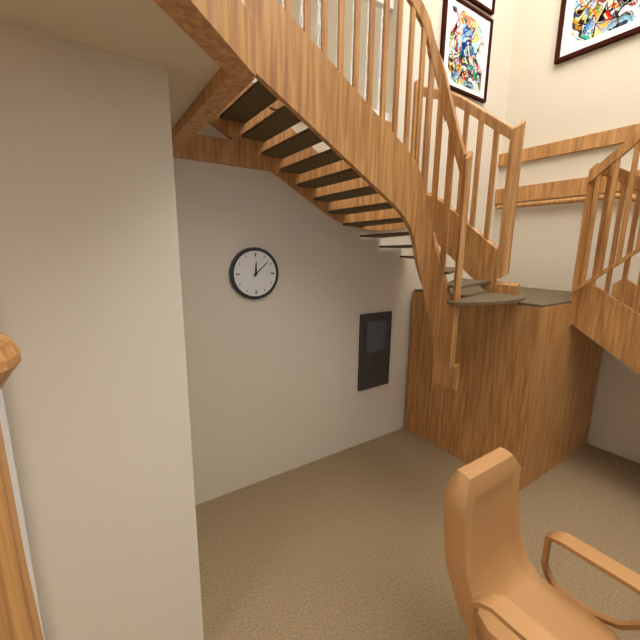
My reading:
h=12 m=8
